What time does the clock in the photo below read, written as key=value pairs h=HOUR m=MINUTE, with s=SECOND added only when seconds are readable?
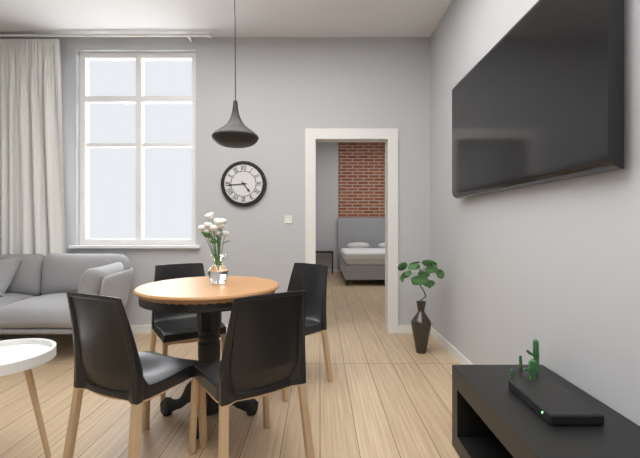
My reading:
h=4 m=44
